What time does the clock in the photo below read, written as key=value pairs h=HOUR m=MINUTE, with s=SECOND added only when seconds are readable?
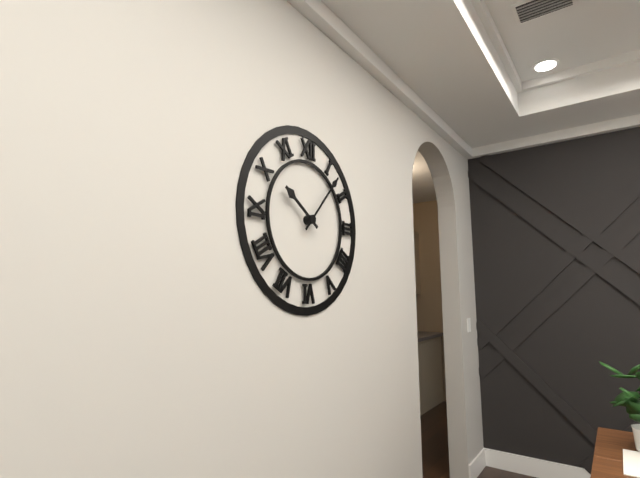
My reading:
h=10 m=7
